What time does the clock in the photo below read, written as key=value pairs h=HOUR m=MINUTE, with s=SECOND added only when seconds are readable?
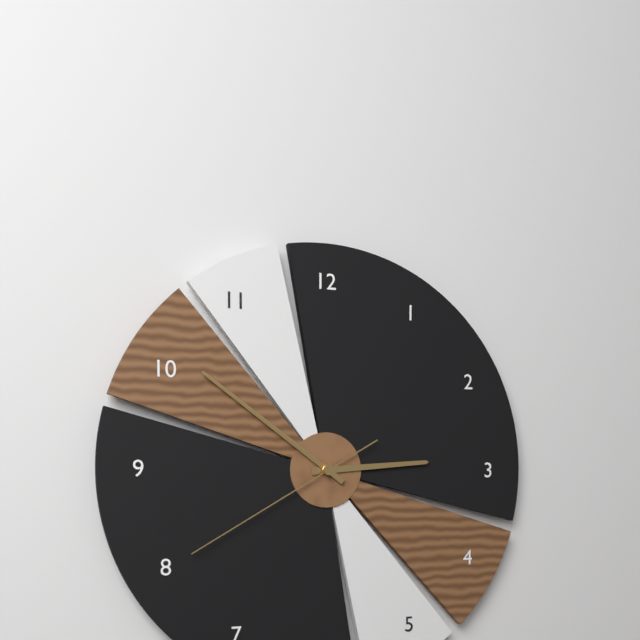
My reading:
h=2 m=51 s=40
